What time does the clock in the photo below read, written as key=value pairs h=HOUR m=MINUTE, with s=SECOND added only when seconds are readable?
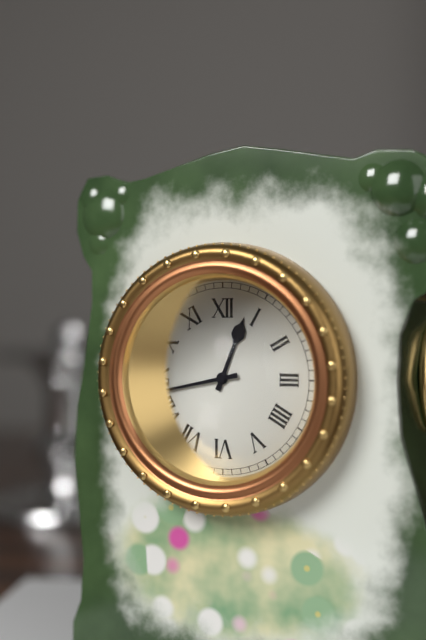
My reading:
h=12 m=43
